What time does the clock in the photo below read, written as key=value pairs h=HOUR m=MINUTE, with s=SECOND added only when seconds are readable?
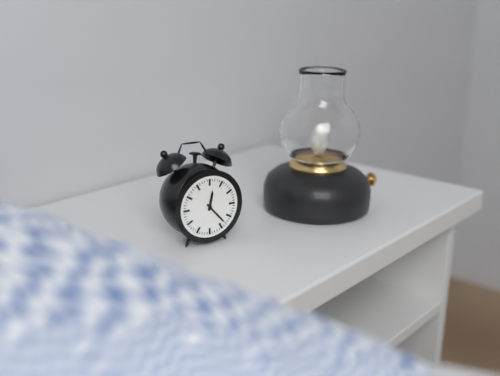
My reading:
h=12 m=23
